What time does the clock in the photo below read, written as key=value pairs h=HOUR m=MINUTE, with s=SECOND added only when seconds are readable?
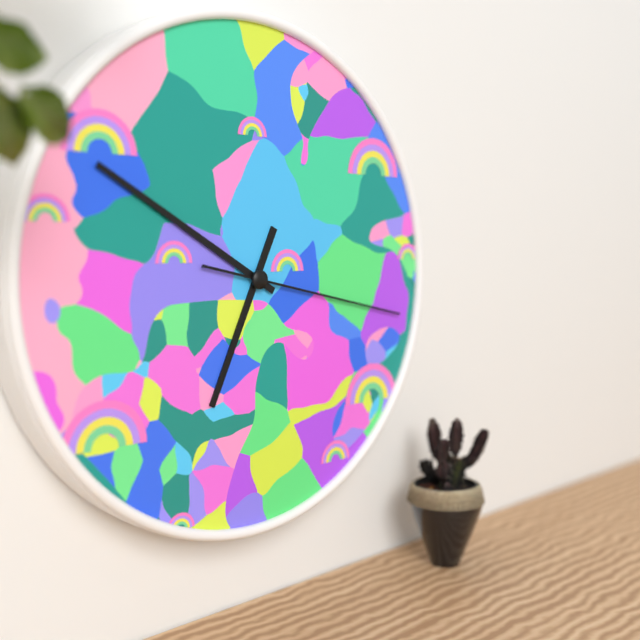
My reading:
h=6 m=50 s=17
